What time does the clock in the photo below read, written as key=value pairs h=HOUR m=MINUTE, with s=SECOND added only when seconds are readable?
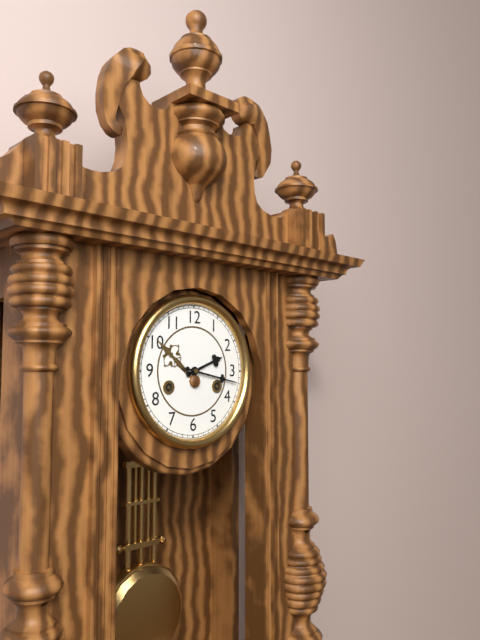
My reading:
h=2 m=17
